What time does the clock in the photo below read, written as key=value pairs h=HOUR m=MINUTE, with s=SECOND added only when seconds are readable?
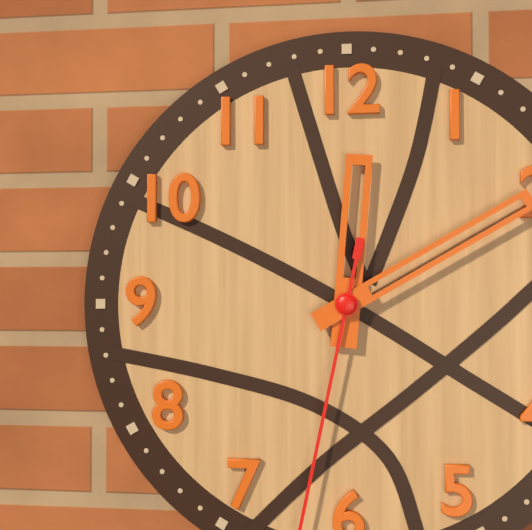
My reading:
h=12 m=10
